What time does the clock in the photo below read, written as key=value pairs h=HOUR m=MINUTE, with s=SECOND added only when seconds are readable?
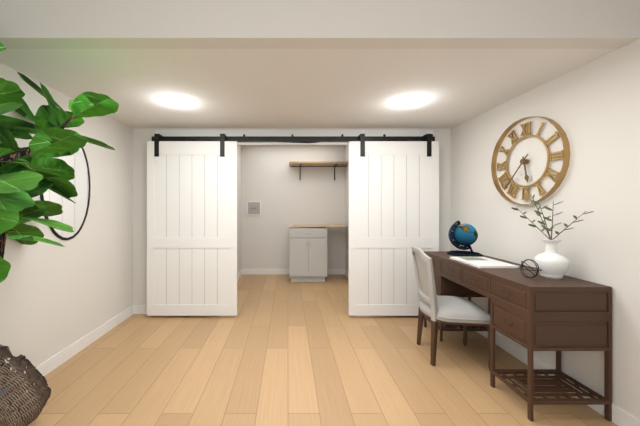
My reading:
h=5 m=37
